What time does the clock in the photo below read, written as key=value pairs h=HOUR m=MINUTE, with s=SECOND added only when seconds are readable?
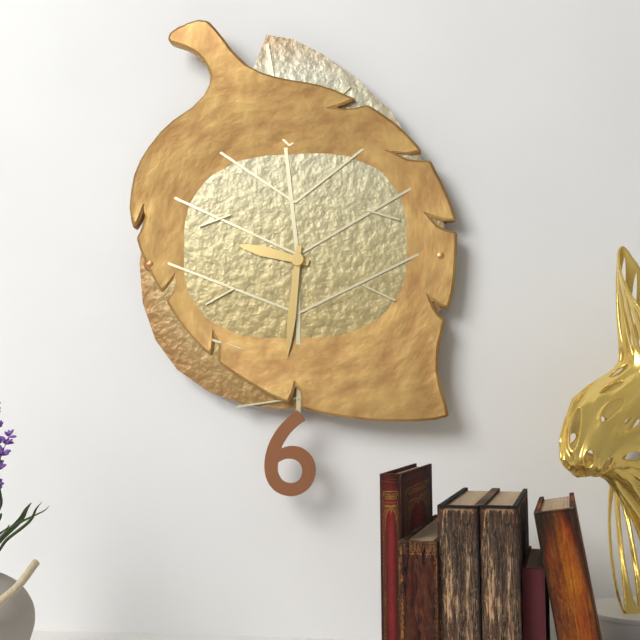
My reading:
h=9 m=31
